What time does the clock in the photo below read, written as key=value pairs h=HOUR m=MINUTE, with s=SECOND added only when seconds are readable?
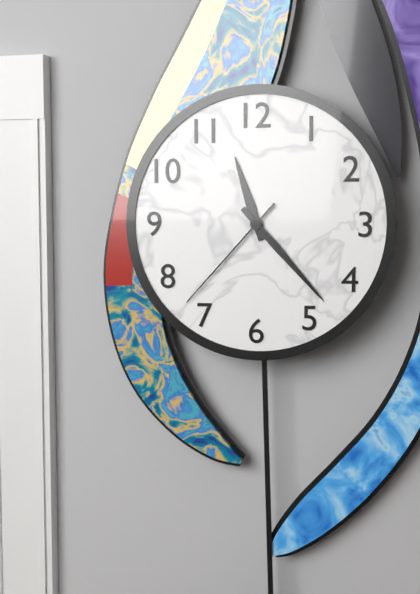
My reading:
h=11 m=23 s=37
